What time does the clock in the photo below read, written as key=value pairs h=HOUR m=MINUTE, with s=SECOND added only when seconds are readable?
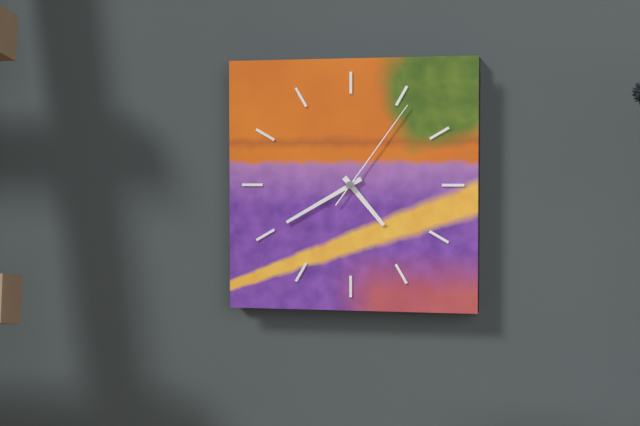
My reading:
h=4 m=40 s=6
